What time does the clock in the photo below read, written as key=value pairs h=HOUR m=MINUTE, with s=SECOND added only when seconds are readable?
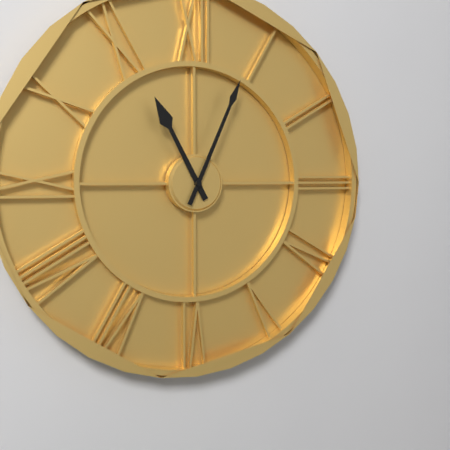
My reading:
h=11 m=4
